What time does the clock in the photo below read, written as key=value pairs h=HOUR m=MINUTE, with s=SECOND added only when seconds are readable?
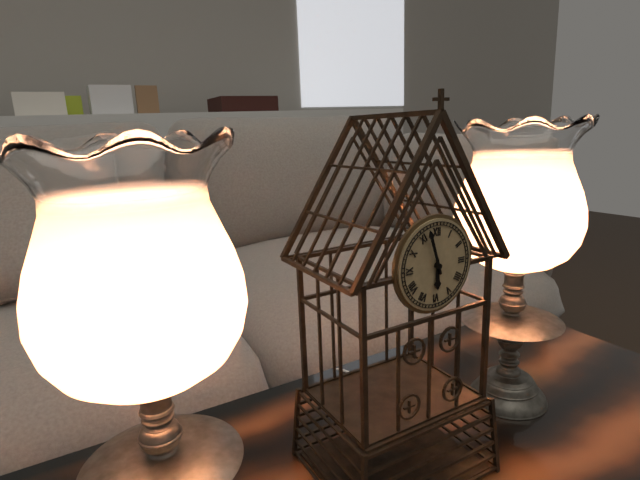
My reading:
h=5 m=57
